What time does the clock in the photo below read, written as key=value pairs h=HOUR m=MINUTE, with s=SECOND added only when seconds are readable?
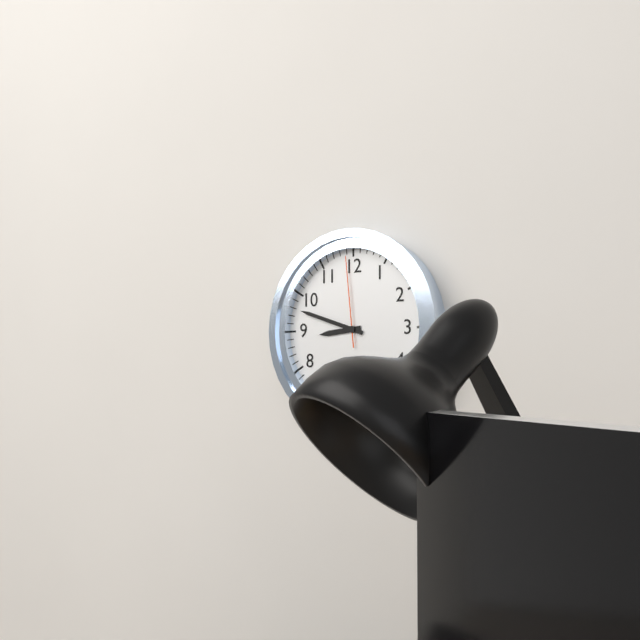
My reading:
h=8 m=48 s=59
